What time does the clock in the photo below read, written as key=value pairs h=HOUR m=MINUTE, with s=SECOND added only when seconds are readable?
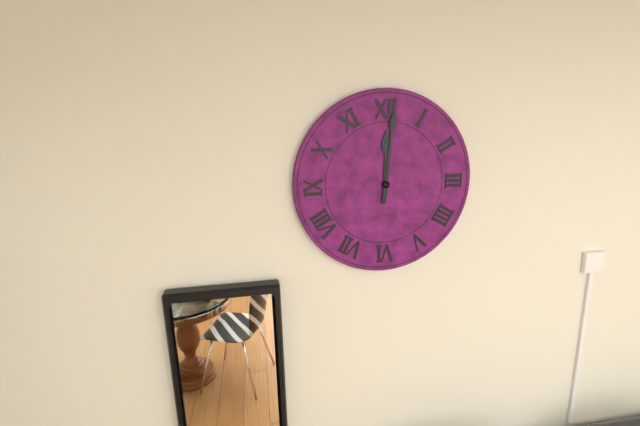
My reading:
h=12 m=1
